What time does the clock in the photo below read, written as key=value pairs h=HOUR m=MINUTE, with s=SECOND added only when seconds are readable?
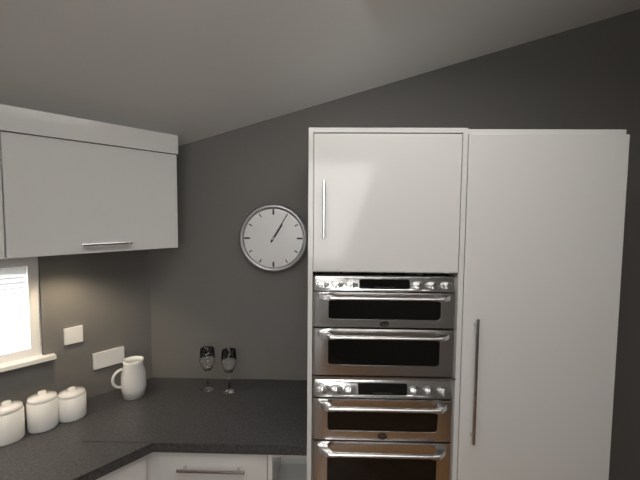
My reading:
h=1 m=5
